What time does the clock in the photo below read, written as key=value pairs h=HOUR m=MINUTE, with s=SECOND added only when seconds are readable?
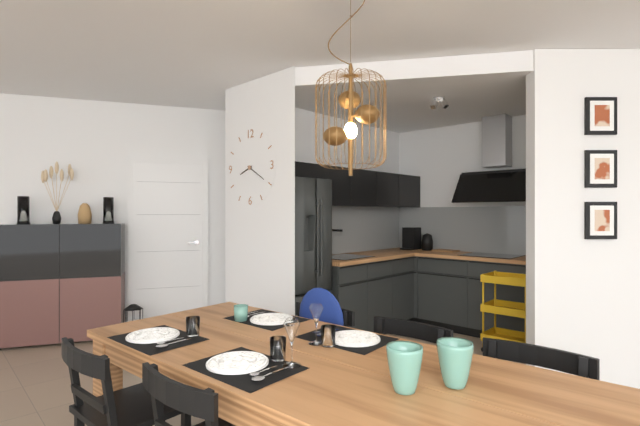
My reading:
h=8 m=20
